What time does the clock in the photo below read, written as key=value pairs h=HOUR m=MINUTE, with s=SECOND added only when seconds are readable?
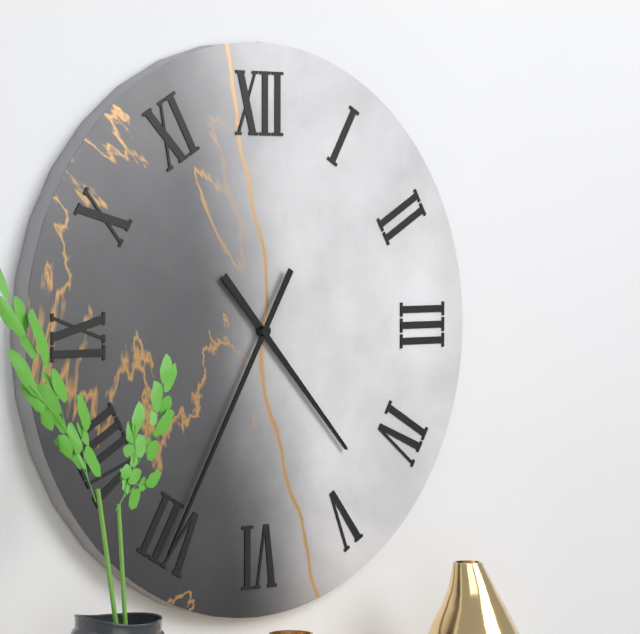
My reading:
h=4 m=35
